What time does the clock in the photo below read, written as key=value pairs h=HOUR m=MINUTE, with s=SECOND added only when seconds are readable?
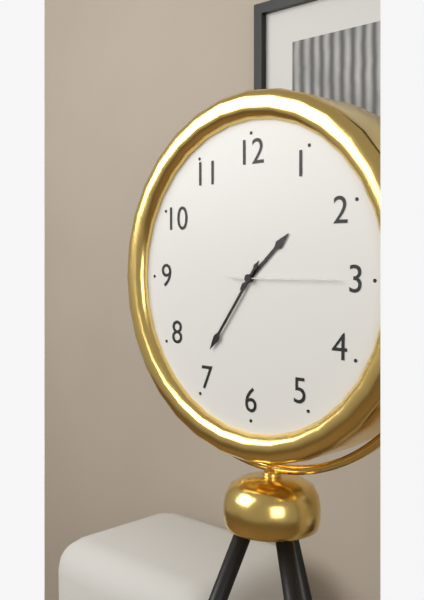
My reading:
h=1 m=36 s=15
